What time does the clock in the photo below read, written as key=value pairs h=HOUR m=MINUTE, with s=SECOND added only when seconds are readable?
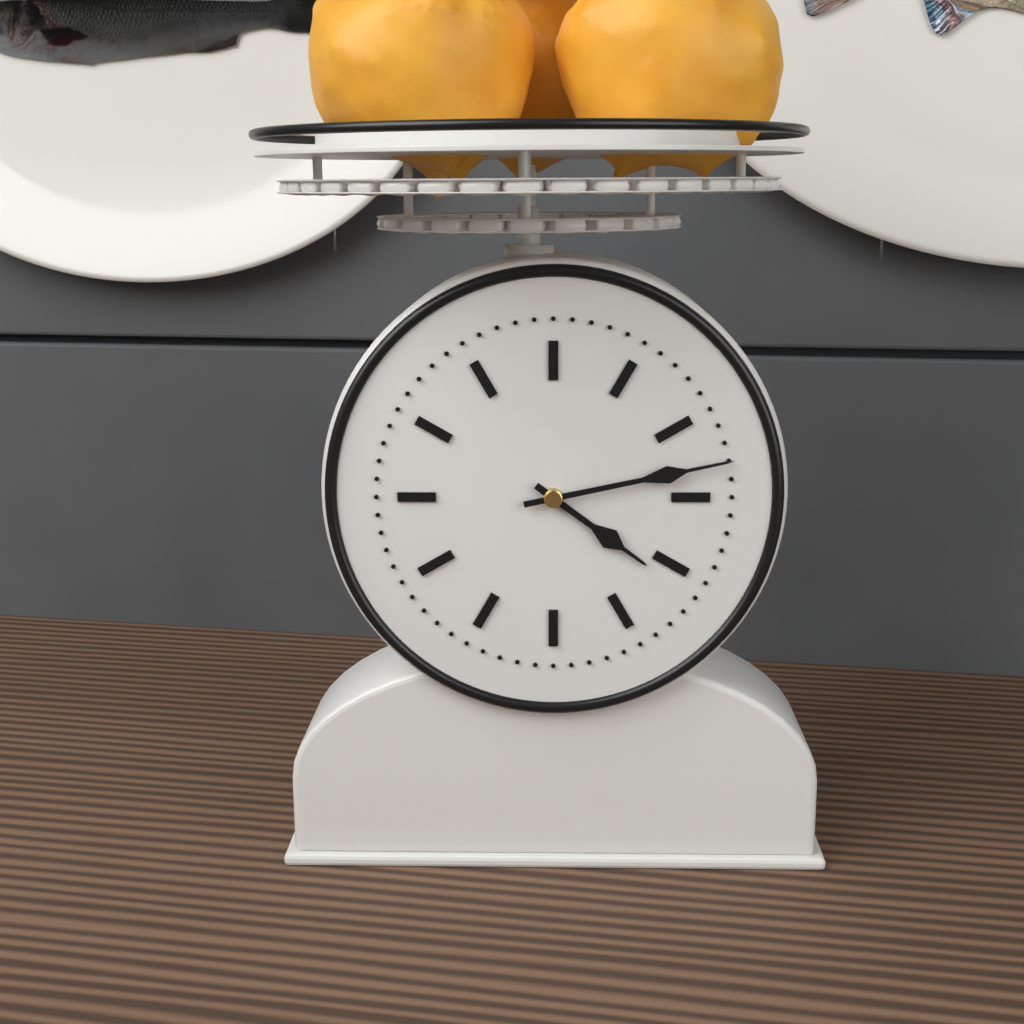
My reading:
h=4 m=13
